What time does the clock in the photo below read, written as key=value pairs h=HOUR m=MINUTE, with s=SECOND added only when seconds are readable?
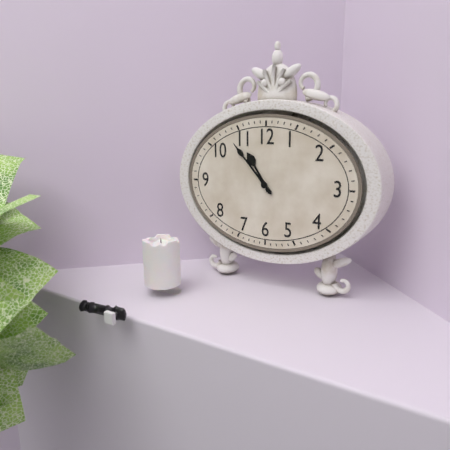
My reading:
h=10 m=53
